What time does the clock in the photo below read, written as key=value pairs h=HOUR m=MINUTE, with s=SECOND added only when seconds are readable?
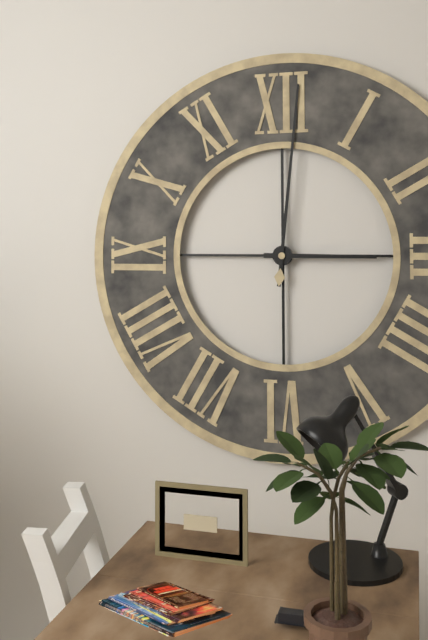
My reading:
h=3 m=1
